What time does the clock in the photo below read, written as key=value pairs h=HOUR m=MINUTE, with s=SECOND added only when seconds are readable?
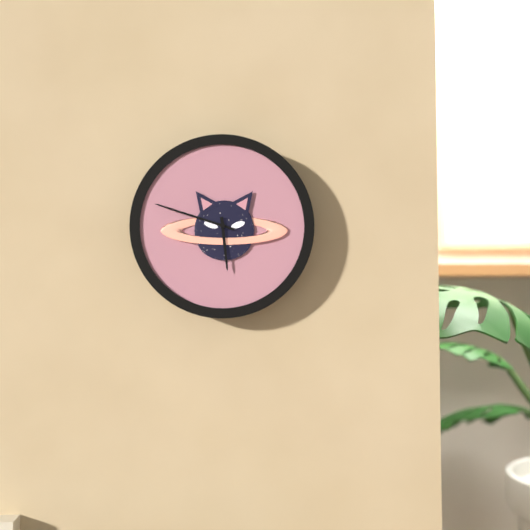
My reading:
h=5 m=48
